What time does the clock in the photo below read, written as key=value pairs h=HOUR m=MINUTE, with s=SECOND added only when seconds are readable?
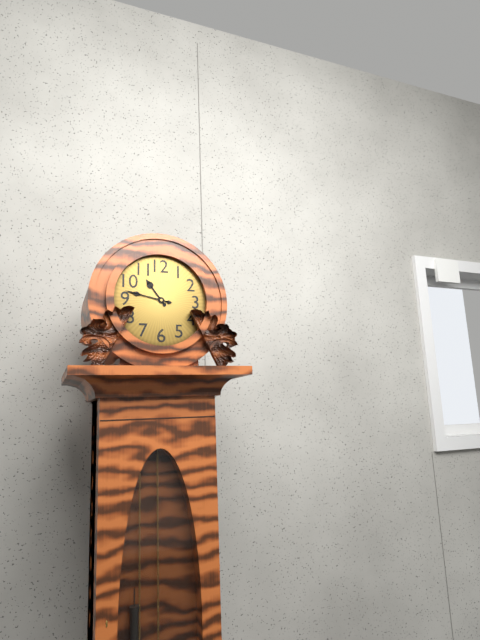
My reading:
h=10 m=47
